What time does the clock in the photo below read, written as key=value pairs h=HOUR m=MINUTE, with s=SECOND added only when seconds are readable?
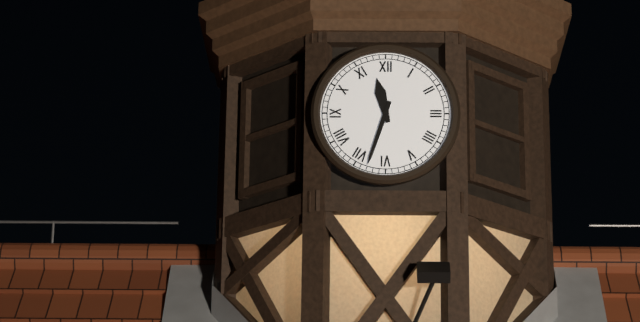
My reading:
h=11 m=33
